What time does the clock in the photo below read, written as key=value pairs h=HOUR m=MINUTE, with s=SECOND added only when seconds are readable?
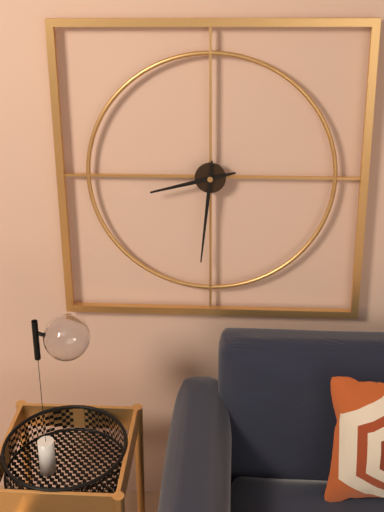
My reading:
h=8 m=31
